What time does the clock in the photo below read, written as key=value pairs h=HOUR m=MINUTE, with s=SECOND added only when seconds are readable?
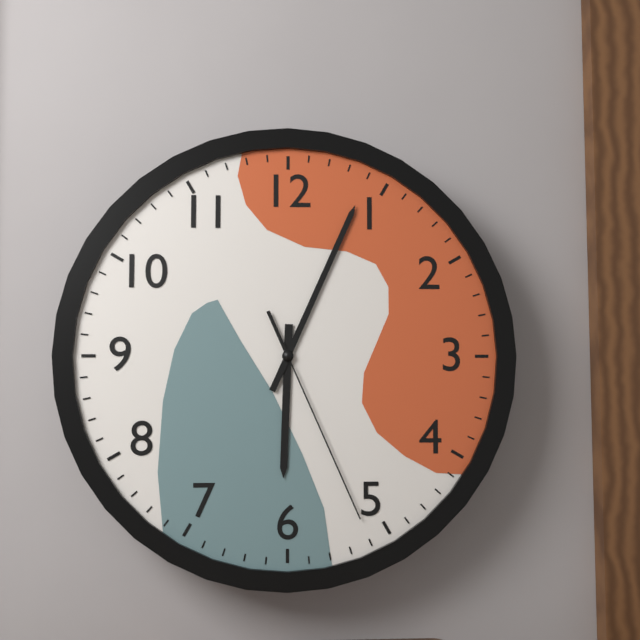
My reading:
h=6 m=4 s=26
